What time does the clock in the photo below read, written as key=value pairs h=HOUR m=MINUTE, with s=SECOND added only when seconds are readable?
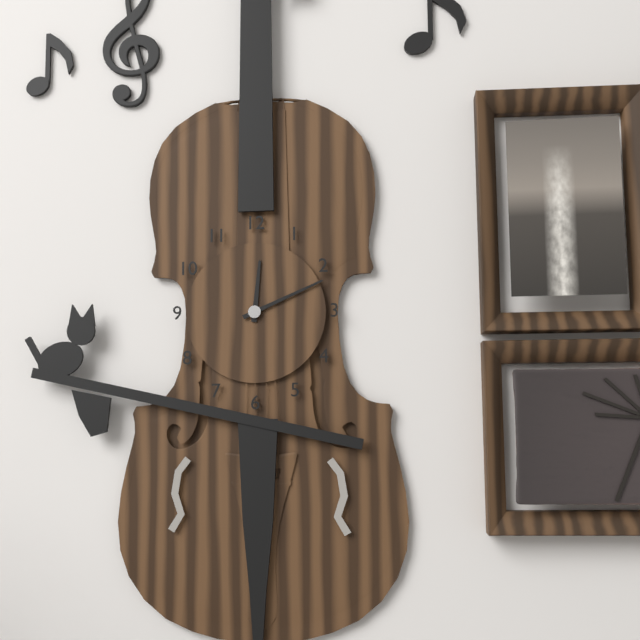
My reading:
h=12 m=11
